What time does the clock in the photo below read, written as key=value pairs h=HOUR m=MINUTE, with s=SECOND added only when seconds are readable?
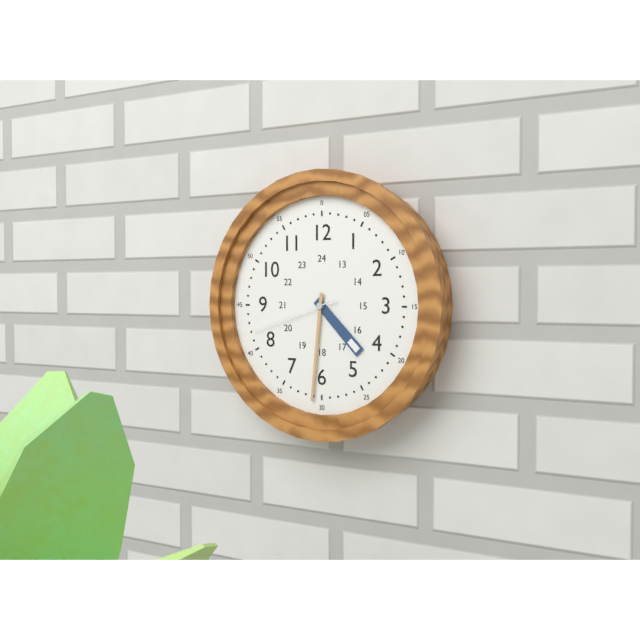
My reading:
h=4 m=31 s=42
